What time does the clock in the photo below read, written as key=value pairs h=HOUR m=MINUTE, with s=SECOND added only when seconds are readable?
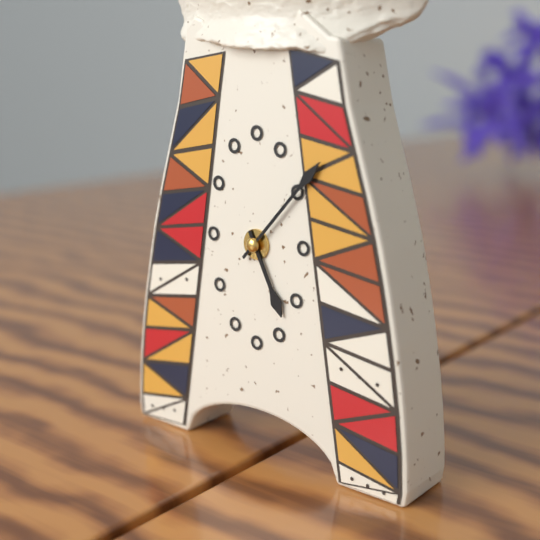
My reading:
h=5 m=7
